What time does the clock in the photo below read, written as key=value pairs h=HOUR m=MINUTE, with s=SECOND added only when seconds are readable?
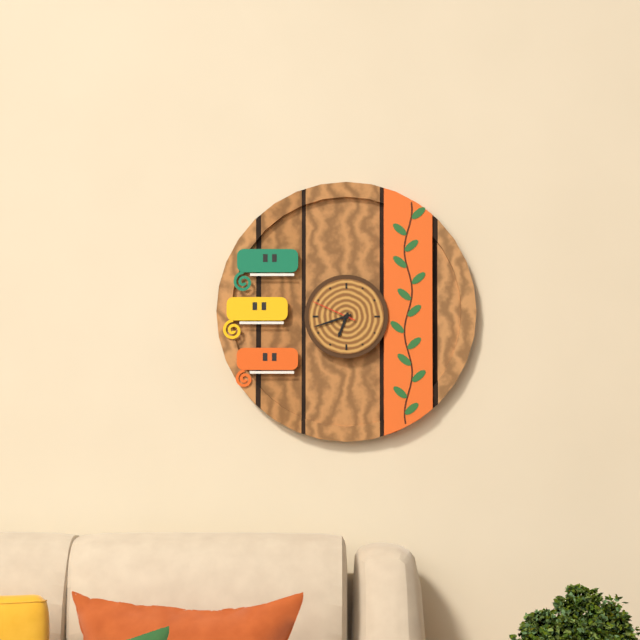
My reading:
h=6 m=42
